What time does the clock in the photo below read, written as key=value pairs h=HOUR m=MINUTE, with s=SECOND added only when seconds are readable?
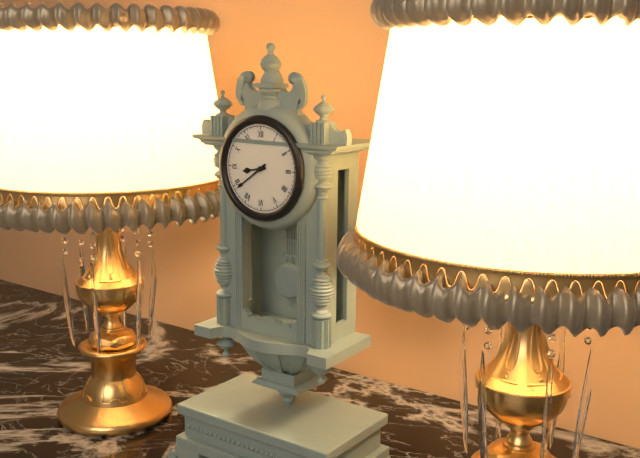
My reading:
h=8 m=39
